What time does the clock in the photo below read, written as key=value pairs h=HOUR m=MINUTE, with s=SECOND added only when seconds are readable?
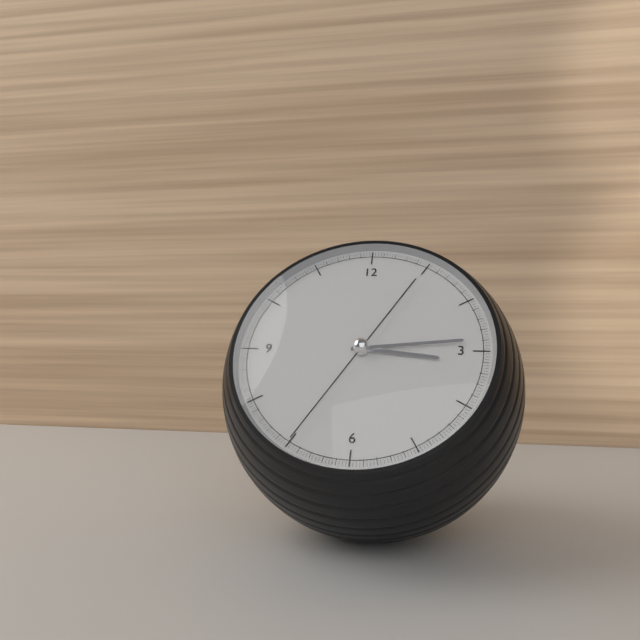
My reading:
h=3 m=14 s=35
